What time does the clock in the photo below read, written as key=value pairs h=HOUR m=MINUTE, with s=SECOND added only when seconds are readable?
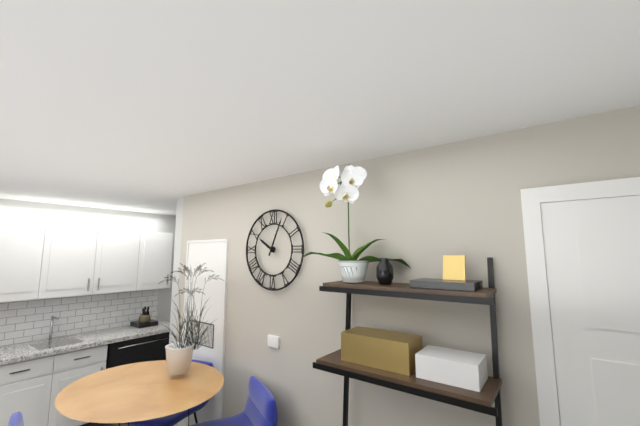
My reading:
h=10 m=4
